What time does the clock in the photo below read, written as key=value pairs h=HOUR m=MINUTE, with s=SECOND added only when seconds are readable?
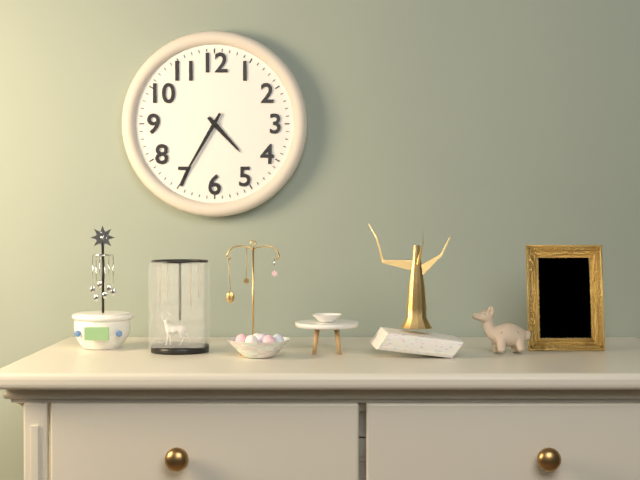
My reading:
h=4 m=35
